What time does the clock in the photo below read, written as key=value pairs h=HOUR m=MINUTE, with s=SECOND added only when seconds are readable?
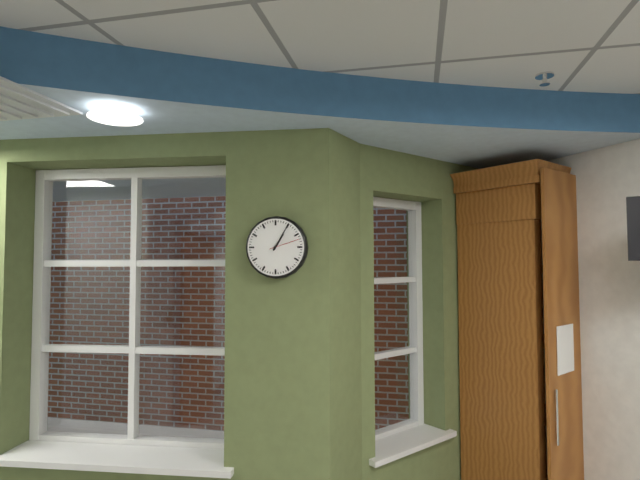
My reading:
h=1 m=5
